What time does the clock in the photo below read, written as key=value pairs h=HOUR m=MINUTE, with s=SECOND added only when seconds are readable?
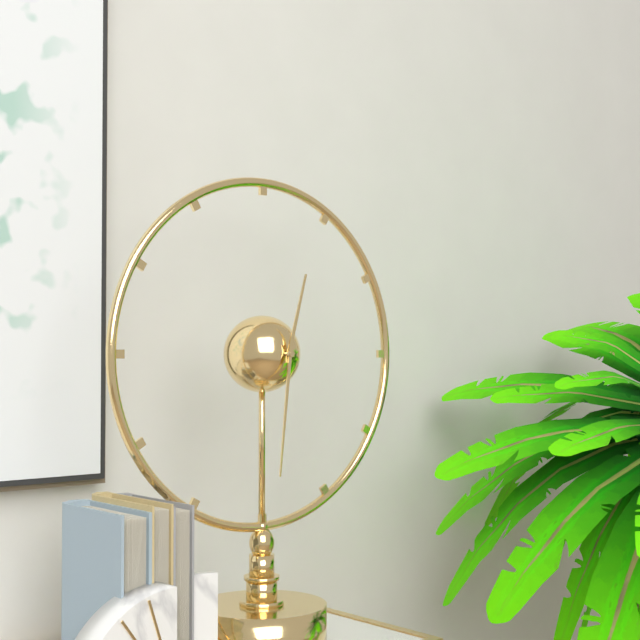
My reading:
h=12 m=31
